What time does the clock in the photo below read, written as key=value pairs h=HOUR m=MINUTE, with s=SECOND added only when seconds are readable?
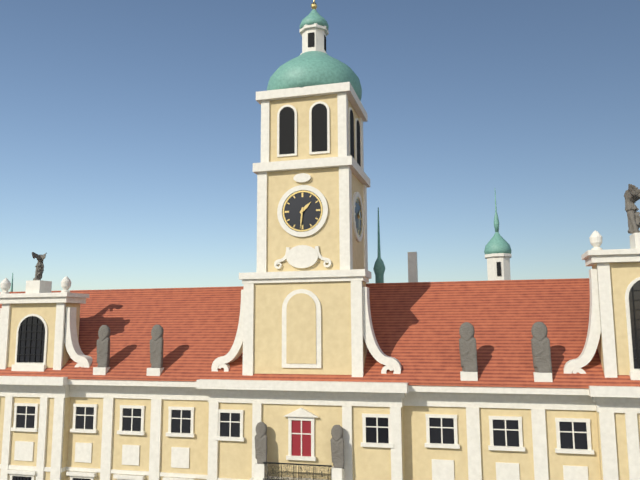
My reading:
h=1 m=31
